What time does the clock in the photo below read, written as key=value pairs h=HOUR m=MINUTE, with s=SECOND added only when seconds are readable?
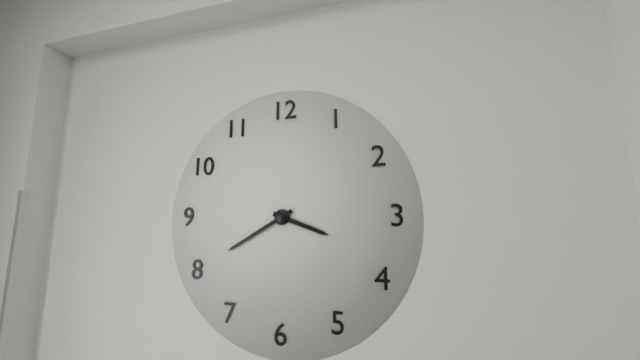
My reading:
h=3 m=40
